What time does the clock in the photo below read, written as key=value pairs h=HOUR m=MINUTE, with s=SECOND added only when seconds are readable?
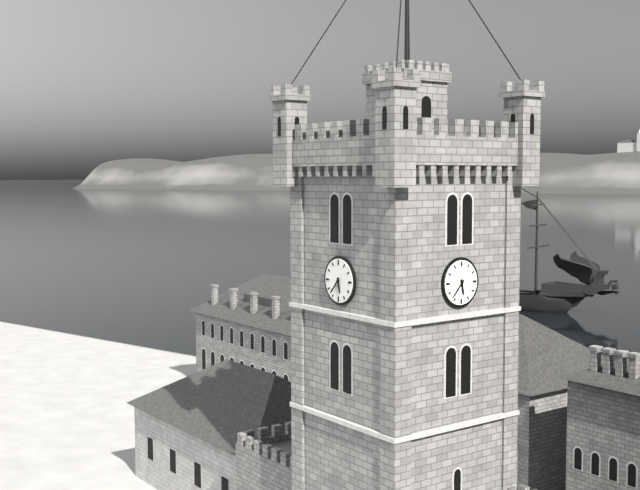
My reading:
h=5 m=37
